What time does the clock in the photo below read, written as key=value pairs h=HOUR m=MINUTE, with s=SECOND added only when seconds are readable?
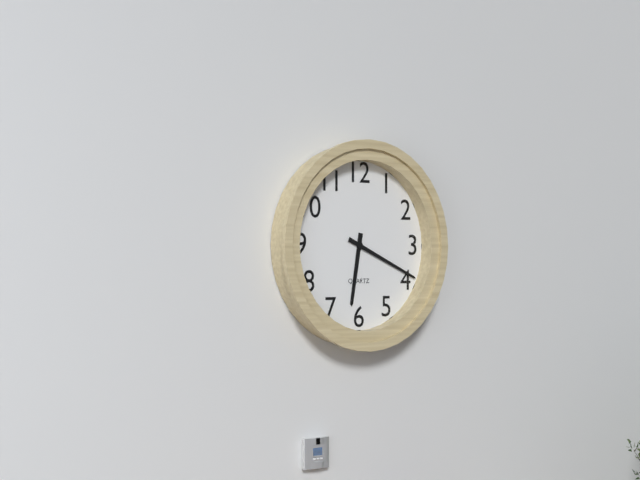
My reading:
h=6 m=19
